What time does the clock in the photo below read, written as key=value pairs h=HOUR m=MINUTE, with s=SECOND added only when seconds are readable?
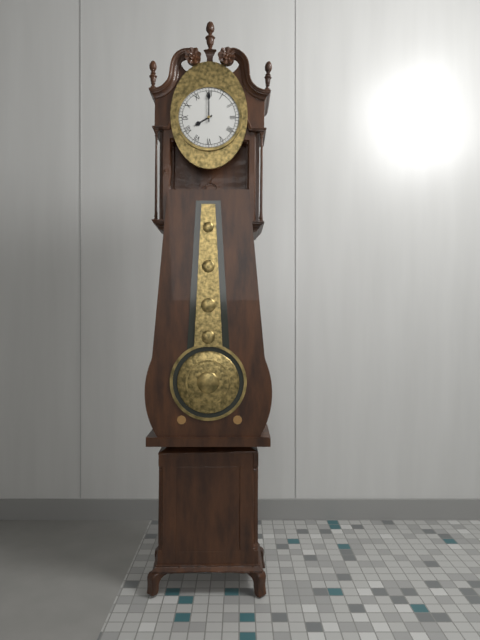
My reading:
h=8 m=0
